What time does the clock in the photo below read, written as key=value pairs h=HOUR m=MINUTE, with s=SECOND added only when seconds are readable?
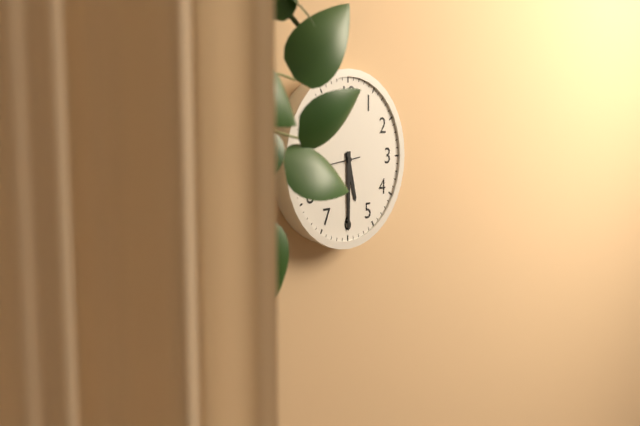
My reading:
h=5 m=30
